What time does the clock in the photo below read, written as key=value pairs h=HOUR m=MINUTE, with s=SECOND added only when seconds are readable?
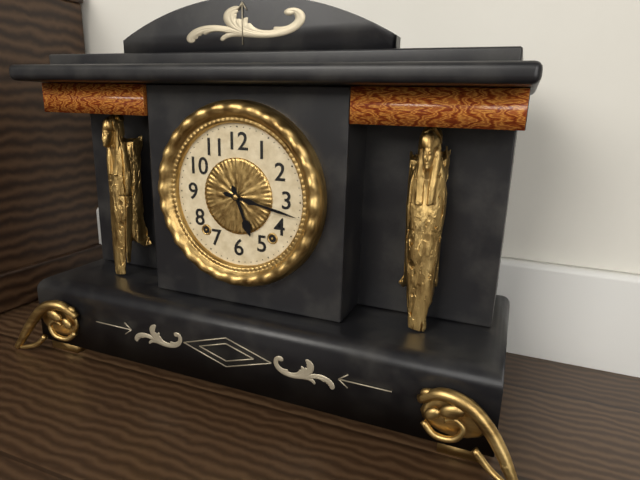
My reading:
h=5 m=17
